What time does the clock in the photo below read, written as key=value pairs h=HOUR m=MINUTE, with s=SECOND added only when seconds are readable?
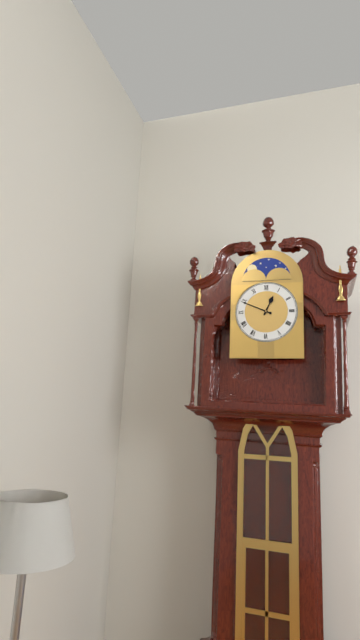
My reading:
h=12 m=49
